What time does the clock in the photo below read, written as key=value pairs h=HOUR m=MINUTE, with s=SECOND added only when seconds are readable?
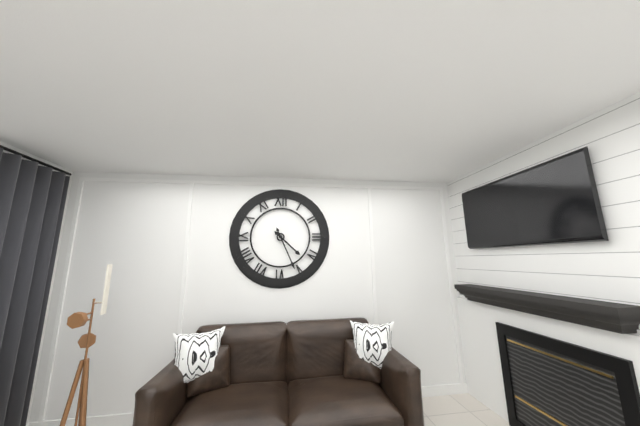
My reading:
h=4 m=26
